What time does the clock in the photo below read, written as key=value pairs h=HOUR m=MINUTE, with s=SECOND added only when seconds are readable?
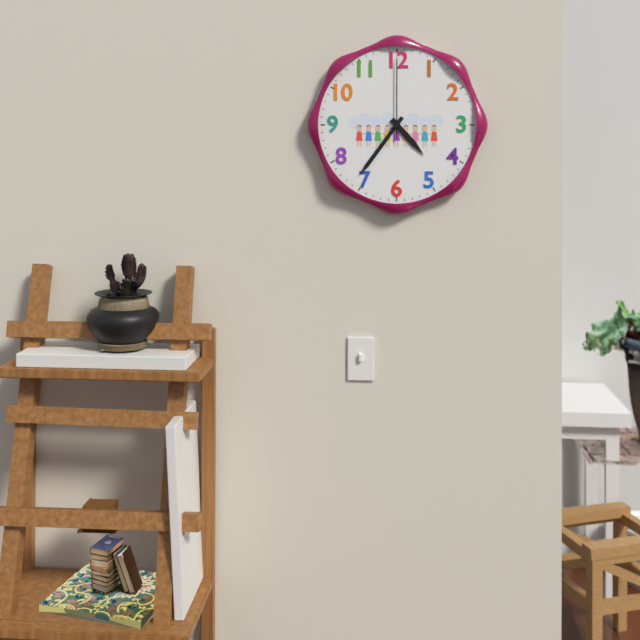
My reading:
h=4 m=36 s=0
